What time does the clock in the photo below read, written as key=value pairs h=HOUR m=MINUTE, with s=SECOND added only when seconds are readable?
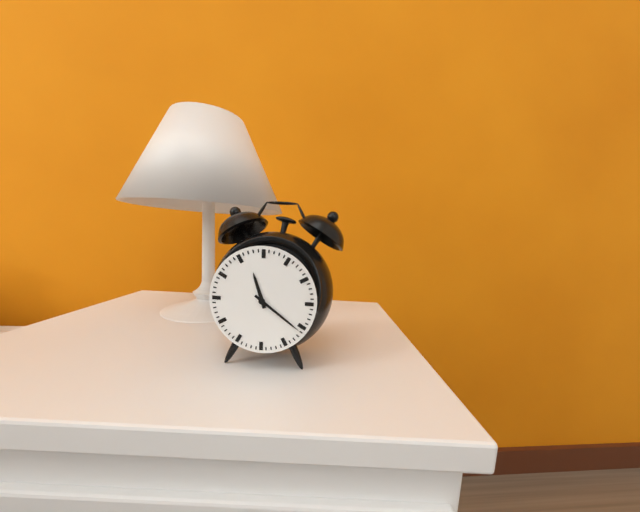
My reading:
h=11 m=21
